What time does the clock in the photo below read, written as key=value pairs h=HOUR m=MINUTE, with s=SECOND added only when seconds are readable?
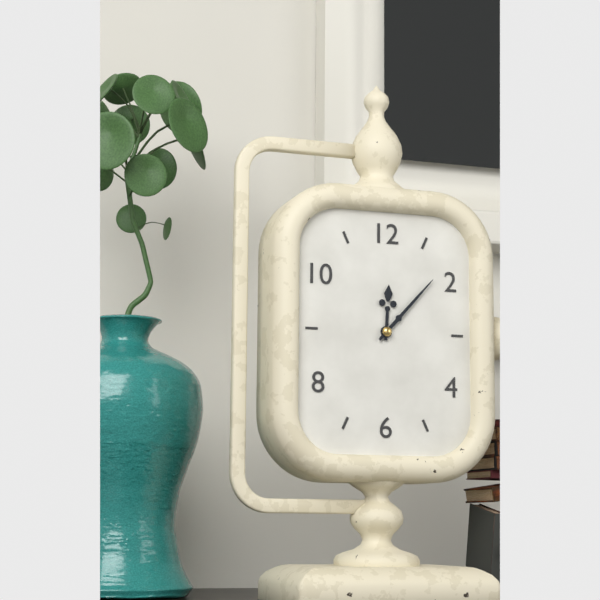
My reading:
h=12 m=7
